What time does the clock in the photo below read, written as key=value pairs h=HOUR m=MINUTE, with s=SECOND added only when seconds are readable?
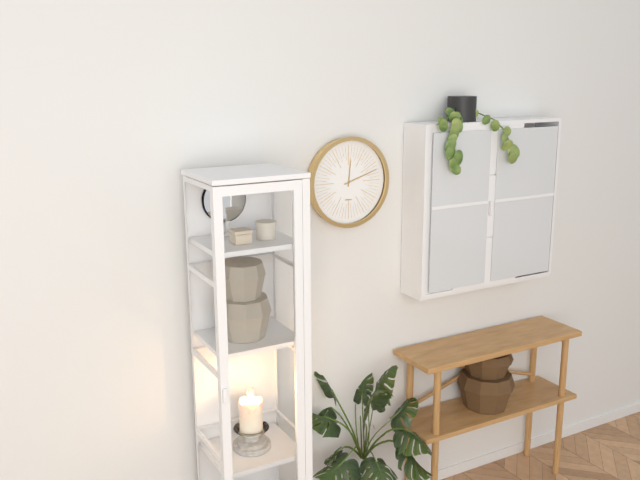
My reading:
h=12 m=12
